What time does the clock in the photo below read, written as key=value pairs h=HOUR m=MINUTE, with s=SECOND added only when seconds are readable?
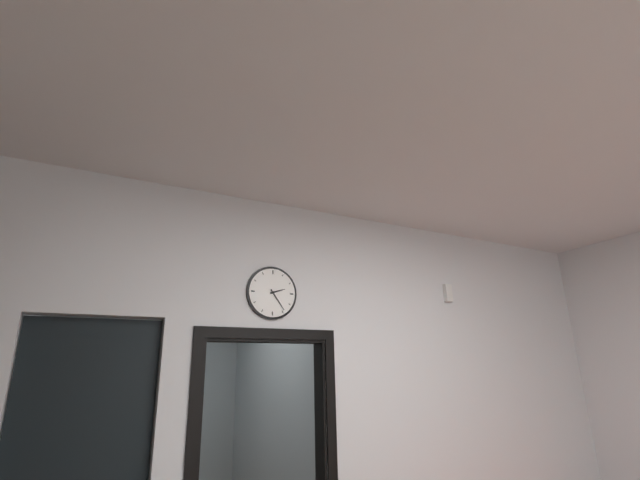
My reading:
h=2 m=24
